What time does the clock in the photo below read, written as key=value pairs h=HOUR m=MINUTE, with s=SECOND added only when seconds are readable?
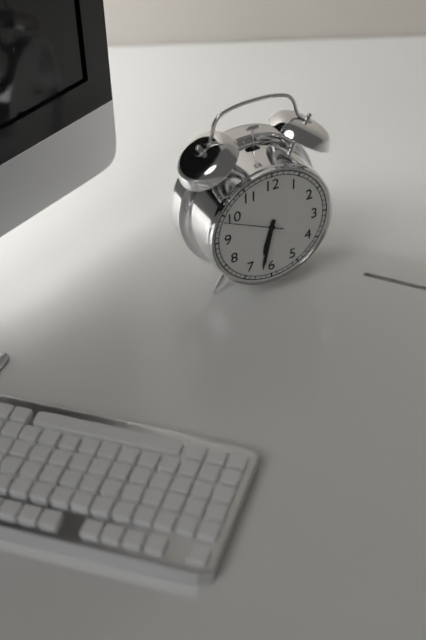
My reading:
h=6 m=32 s=49
